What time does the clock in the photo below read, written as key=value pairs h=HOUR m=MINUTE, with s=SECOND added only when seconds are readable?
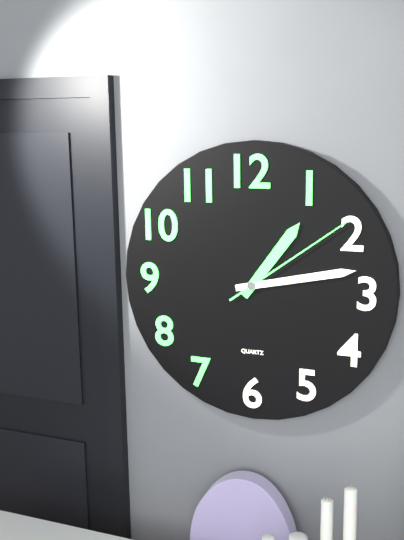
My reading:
h=1 m=13 s=9
